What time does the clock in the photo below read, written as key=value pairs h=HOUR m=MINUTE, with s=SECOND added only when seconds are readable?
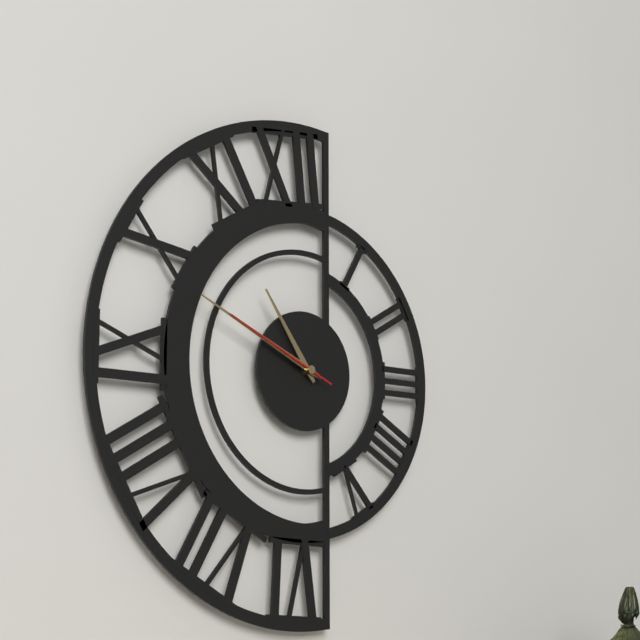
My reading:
h=10 m=49 s=49
